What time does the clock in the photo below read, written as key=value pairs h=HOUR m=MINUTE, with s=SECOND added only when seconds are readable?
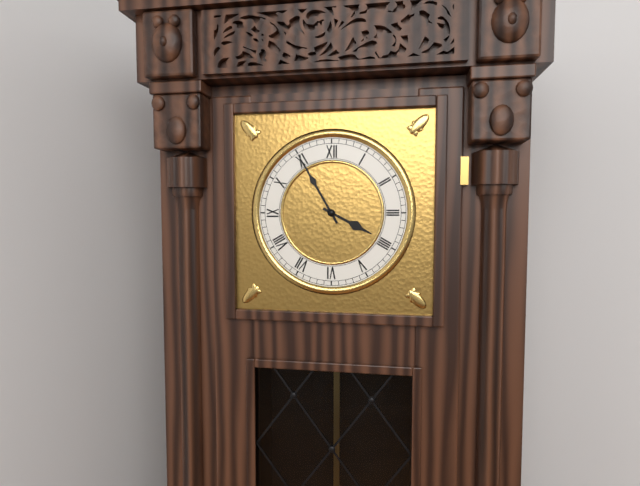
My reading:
h=3 m=55
